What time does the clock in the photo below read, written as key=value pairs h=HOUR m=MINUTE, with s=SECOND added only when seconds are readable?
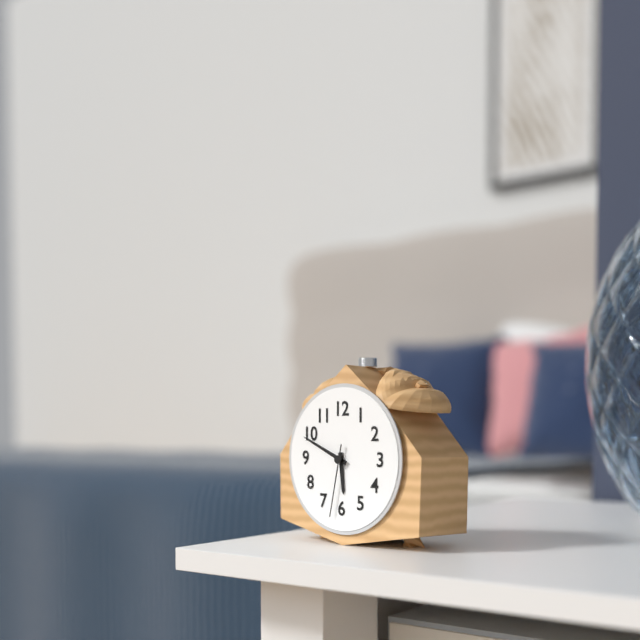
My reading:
h=5 m=49 s=32
